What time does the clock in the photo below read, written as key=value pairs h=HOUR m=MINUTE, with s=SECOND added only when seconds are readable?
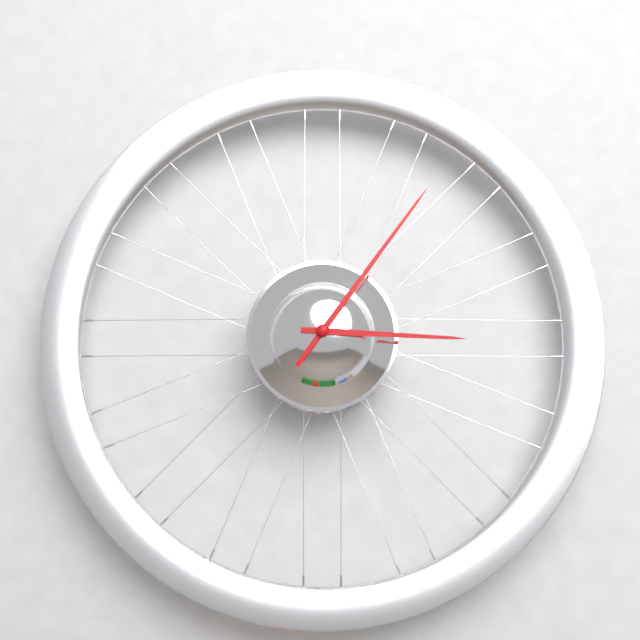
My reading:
h=3 m=6
